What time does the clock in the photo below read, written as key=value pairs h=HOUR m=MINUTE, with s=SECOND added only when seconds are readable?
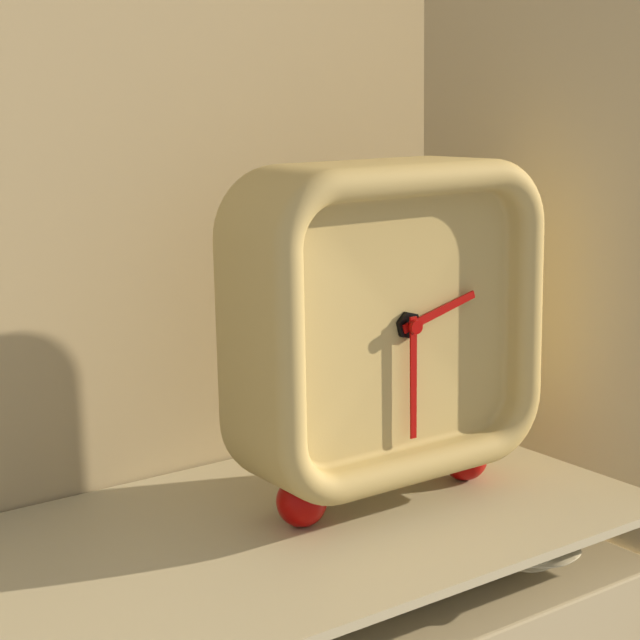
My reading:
h=2 m=30
